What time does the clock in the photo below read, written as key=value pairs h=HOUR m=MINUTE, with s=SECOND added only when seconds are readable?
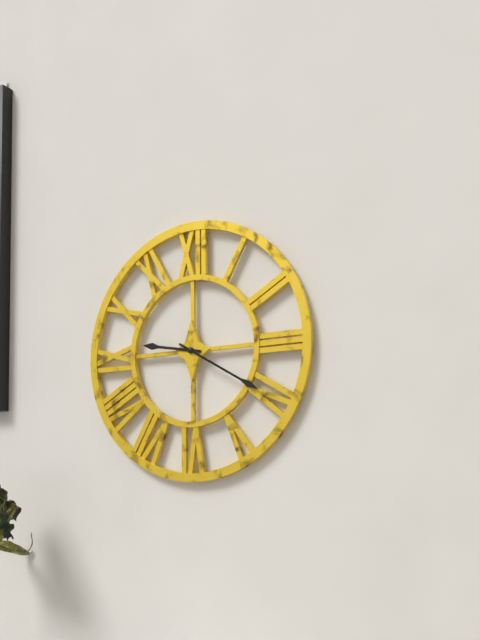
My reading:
h=9 m=20
